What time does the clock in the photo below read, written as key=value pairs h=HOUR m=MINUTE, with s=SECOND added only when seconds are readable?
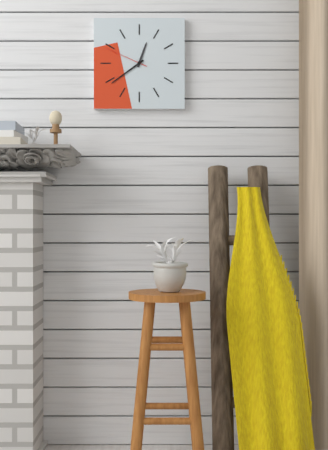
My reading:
h=12 m=39
